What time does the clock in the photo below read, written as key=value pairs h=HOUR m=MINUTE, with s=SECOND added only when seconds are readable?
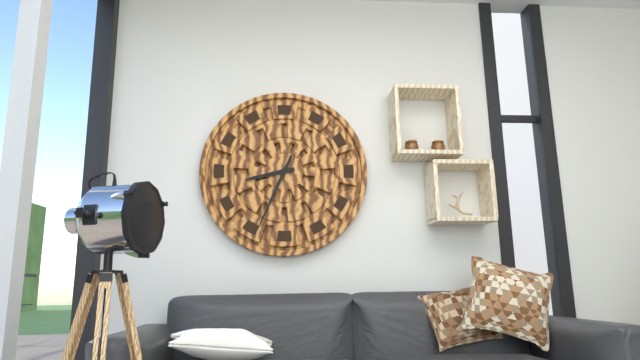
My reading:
h=8 m=34
